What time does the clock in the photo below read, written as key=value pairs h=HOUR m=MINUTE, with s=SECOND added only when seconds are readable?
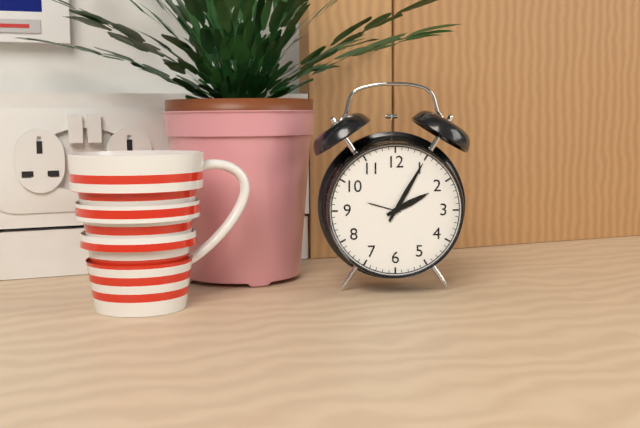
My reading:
h=2 m=5
